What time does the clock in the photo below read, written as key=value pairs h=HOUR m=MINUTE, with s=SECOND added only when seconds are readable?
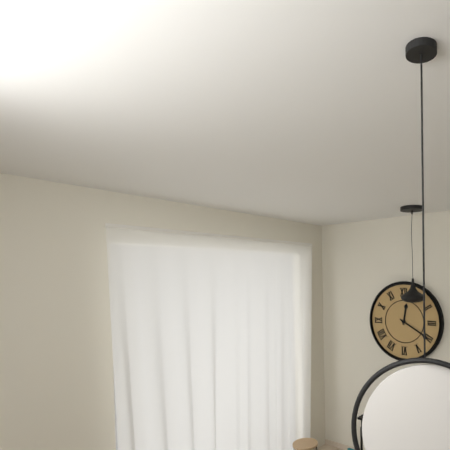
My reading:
h=12 m=20
